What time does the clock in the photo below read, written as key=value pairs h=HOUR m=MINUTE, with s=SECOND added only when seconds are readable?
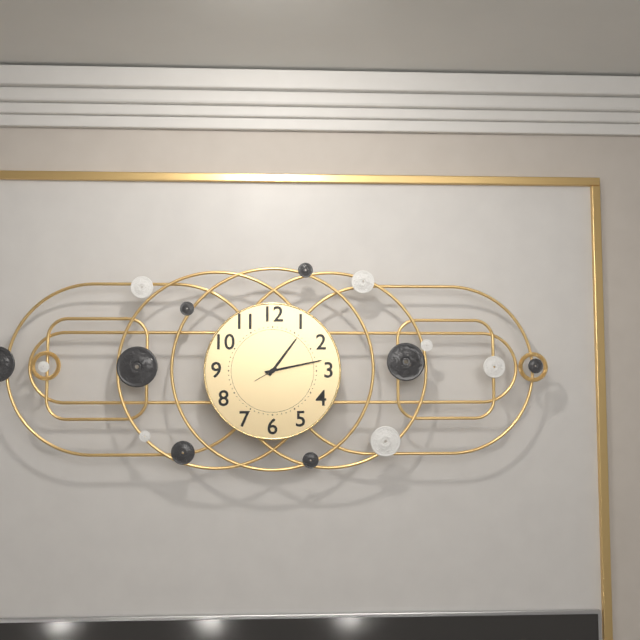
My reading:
h=1 m=13
